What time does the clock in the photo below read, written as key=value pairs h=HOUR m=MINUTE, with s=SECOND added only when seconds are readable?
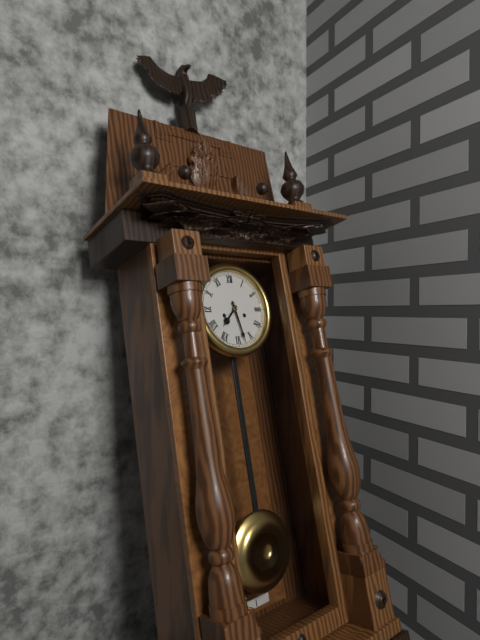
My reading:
h=7 m=28
